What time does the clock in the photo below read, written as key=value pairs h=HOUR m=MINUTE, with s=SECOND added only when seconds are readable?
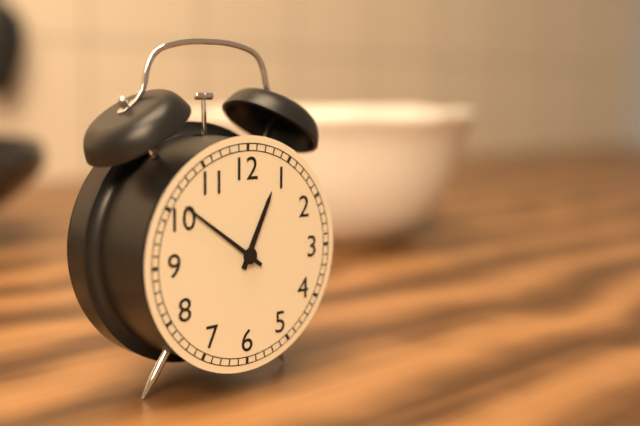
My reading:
h=12 m=51
